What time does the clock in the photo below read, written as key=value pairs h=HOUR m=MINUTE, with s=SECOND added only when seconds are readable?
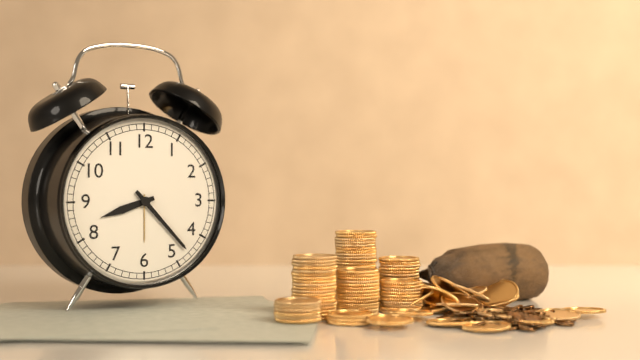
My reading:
h=8 m=23
